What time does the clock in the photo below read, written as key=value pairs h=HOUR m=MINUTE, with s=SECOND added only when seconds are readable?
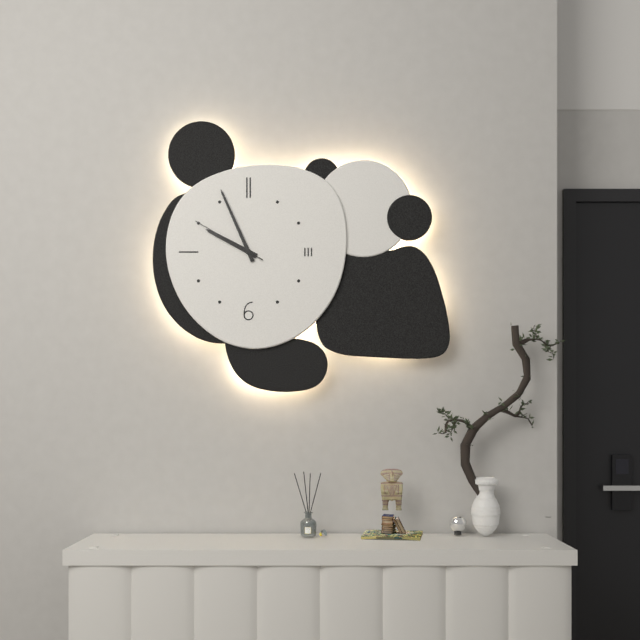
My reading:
h=9 m=56 s=50
